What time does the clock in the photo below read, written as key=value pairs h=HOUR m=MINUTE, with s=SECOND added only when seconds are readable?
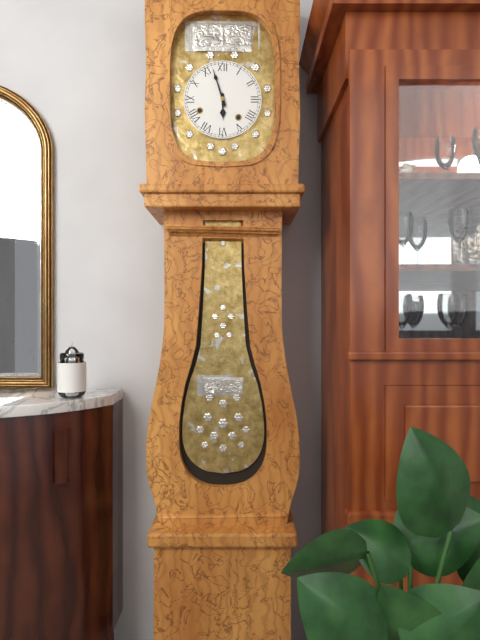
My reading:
h=5 m=57
